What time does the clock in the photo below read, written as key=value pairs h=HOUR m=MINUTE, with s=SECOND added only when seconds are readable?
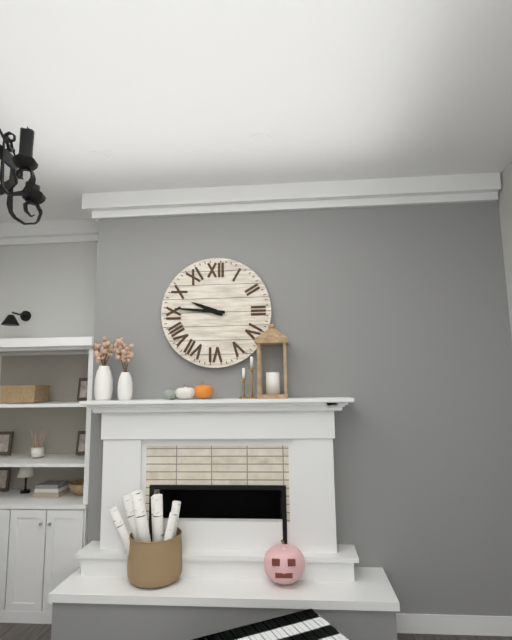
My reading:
h=9 m=46
